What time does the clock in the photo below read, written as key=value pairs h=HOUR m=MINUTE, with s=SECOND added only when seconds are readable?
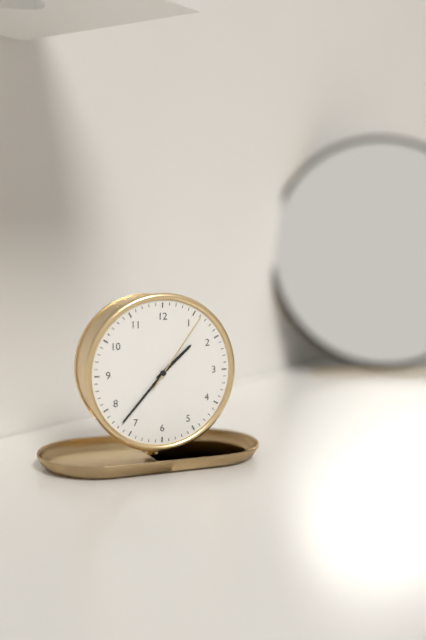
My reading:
h=1 m=37 s=6
